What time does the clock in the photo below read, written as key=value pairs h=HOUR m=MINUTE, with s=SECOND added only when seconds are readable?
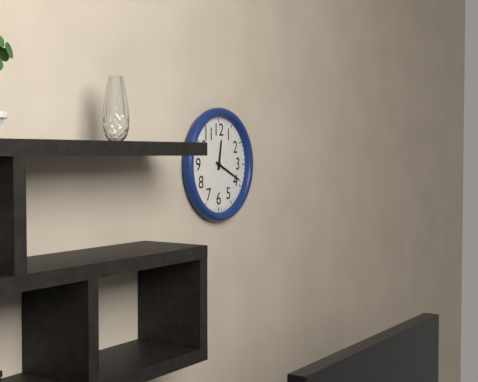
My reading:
h=12 m=19
